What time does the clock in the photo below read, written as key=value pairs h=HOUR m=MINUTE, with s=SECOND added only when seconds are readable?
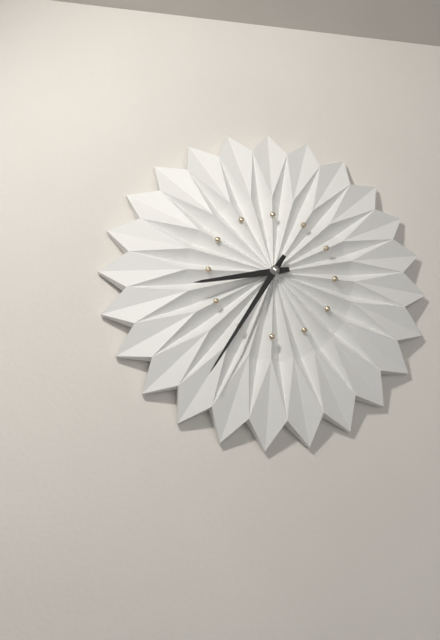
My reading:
h=8 m=35
